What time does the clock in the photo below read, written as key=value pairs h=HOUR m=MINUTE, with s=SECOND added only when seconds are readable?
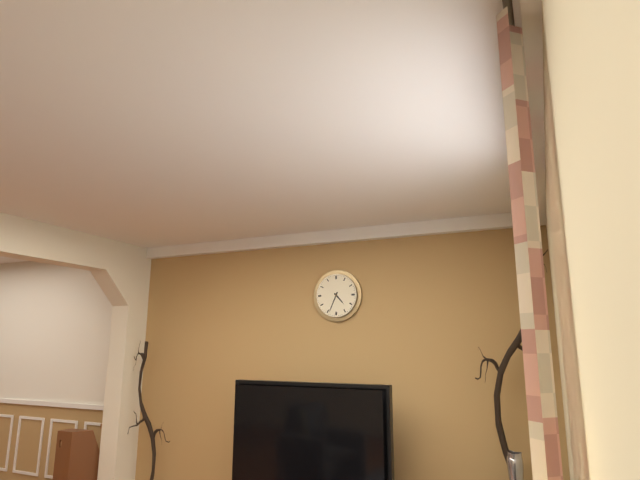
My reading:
h=4 m=34
